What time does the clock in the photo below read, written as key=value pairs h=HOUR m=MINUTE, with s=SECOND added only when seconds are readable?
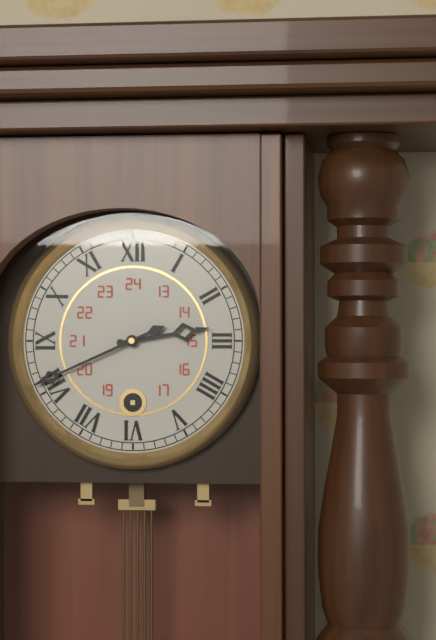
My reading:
h=2 m=41
